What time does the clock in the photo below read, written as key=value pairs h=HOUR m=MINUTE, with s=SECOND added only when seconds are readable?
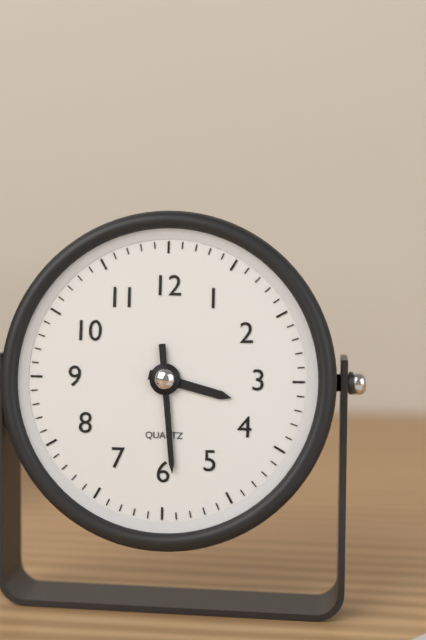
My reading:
h=3 m=29
